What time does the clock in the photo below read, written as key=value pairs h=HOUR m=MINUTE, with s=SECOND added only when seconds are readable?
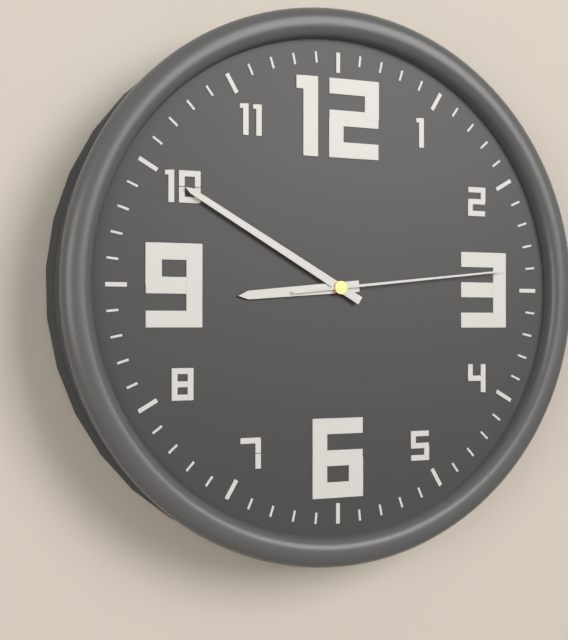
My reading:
h=8 m=50 s=14
